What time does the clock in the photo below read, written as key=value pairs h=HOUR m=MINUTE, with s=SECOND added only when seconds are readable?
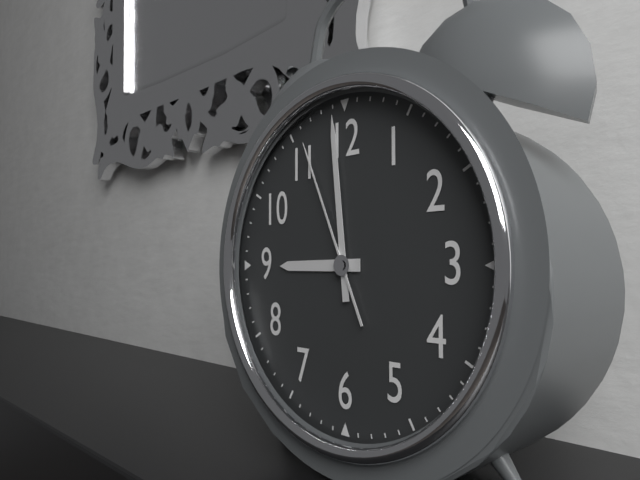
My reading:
h=8 m=59 s=56
